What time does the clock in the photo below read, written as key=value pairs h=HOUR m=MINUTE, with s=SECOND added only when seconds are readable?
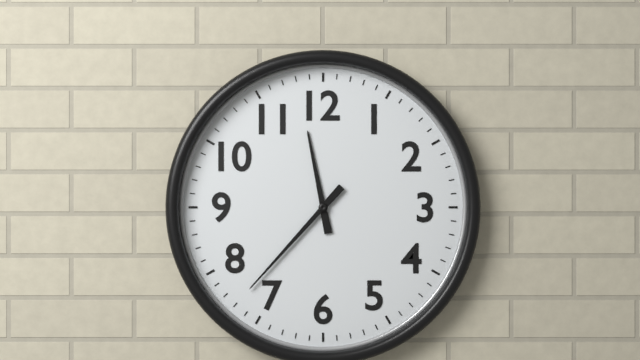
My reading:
h=11 m=37
